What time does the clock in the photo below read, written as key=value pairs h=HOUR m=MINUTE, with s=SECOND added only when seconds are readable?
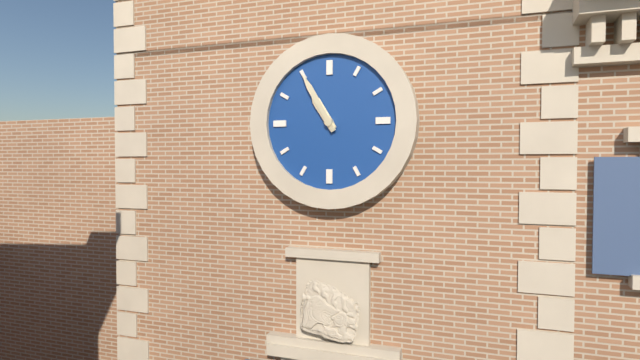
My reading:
h=10 m=55
